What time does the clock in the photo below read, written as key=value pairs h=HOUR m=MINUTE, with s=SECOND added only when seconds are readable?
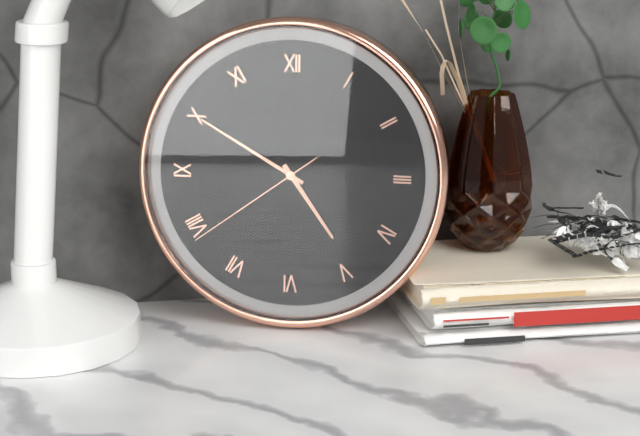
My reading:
h=4 m=50 s=39
